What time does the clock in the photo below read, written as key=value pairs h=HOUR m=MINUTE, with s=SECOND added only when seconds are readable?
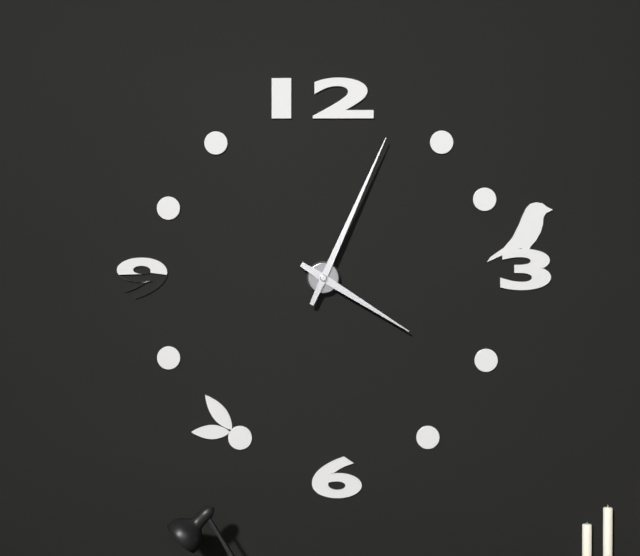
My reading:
h=4 m=4
